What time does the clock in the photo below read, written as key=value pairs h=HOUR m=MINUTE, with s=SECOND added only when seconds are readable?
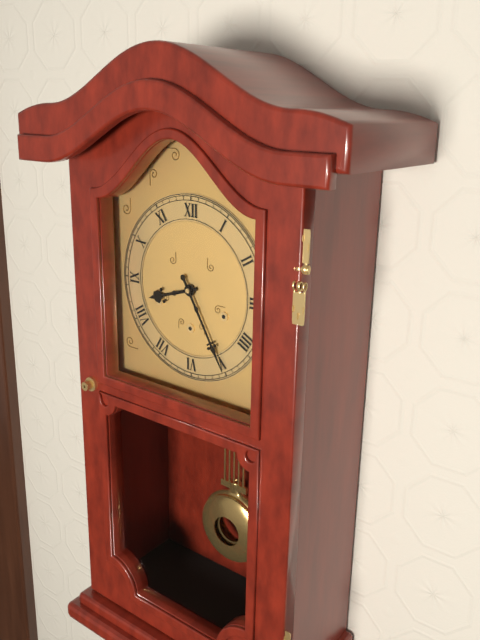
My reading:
h=8 m=25
